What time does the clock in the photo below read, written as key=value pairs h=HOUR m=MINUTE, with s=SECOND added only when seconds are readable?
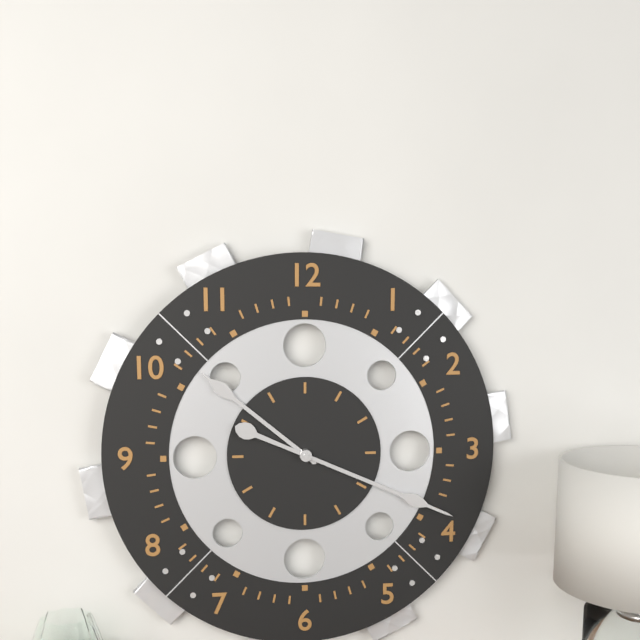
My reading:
h=10 m=19
